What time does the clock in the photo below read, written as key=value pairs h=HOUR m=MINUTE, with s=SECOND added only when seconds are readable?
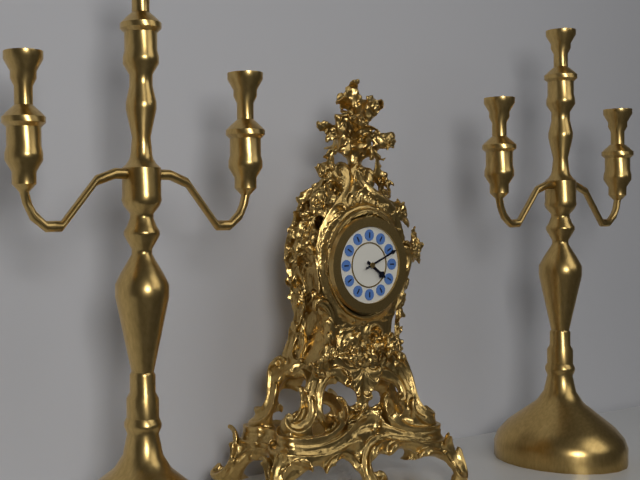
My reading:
h=4 m=11
